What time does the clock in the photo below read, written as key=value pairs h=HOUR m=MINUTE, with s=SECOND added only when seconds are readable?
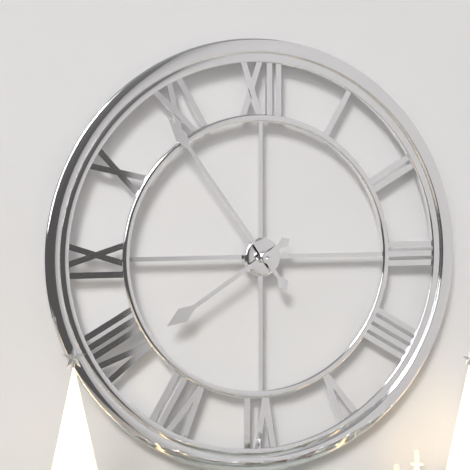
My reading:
h=7 m=54
